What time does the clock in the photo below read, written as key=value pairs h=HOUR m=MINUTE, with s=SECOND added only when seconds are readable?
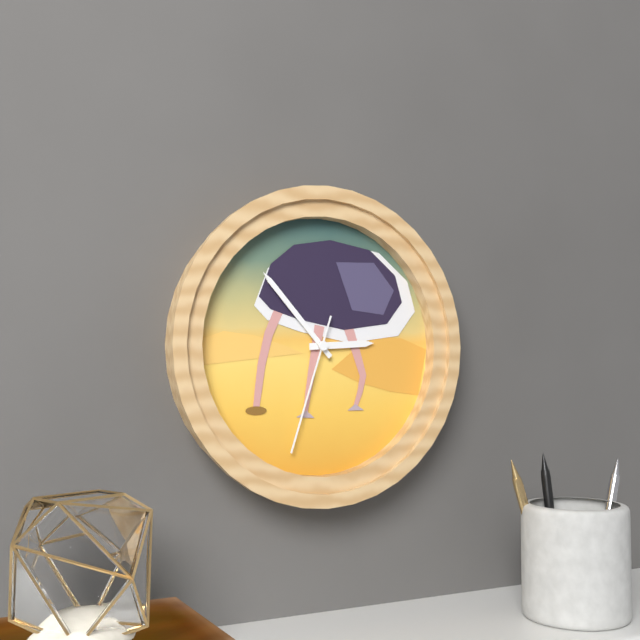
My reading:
h=2 m=53 s=33
